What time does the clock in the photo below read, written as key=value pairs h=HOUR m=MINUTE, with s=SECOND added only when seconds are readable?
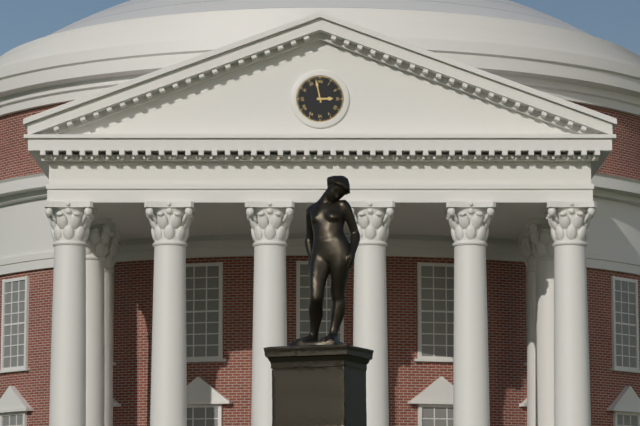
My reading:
h=2 m=58
